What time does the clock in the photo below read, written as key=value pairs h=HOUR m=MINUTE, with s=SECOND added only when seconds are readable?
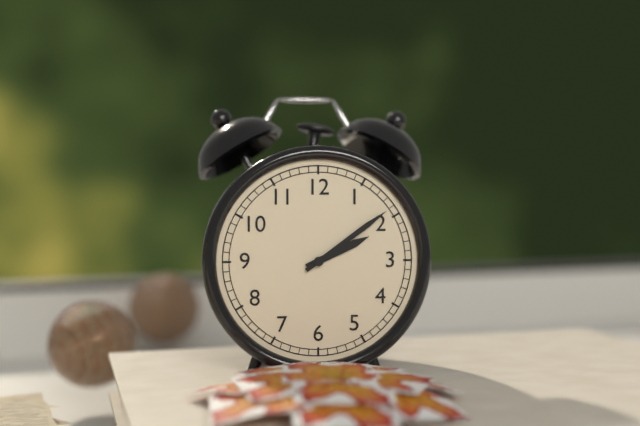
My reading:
h=2 m=9
